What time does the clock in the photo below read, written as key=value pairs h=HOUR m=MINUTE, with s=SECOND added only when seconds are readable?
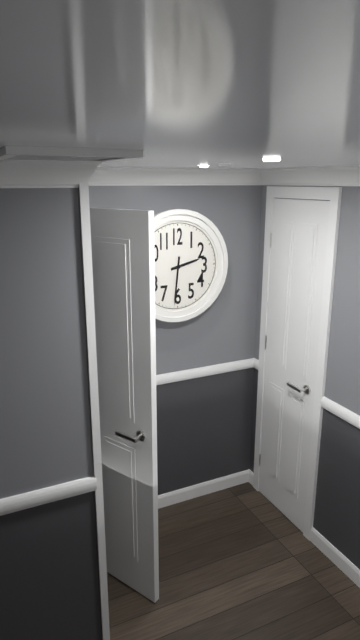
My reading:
h=2 m=31
